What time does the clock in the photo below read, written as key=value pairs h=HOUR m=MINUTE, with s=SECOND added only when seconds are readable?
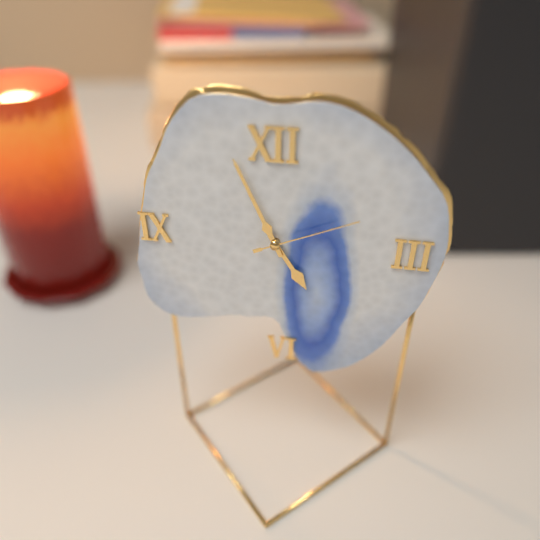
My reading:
h=4 m=56 s=11
